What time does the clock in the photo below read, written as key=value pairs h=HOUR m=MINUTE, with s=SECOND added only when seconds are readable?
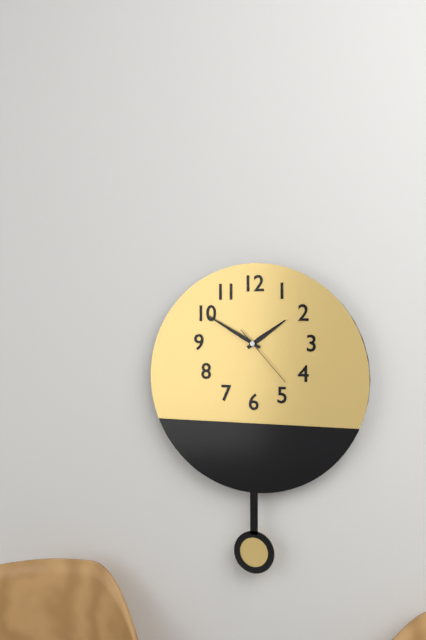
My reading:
h=1 m=50 s=23
